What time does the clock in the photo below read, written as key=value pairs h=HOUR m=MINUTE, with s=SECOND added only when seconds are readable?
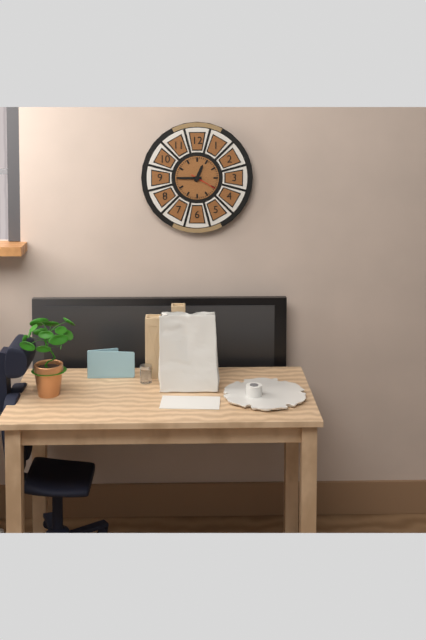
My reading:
h=12 m=45
